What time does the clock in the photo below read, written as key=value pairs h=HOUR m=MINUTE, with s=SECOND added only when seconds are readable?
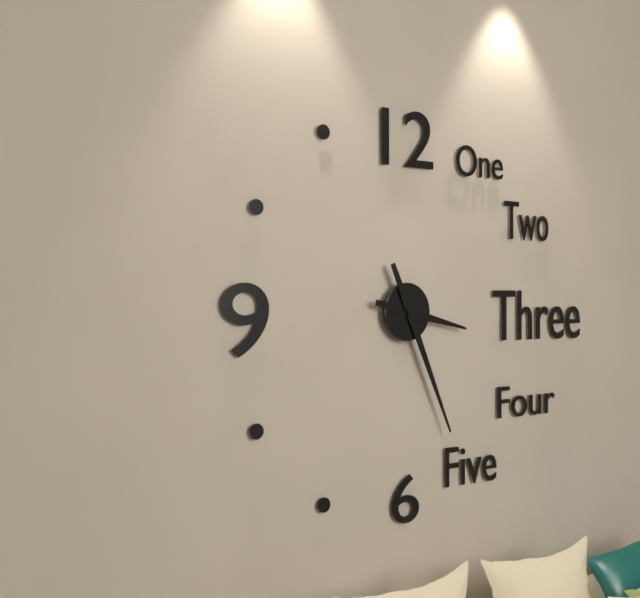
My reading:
h=3 m=26
